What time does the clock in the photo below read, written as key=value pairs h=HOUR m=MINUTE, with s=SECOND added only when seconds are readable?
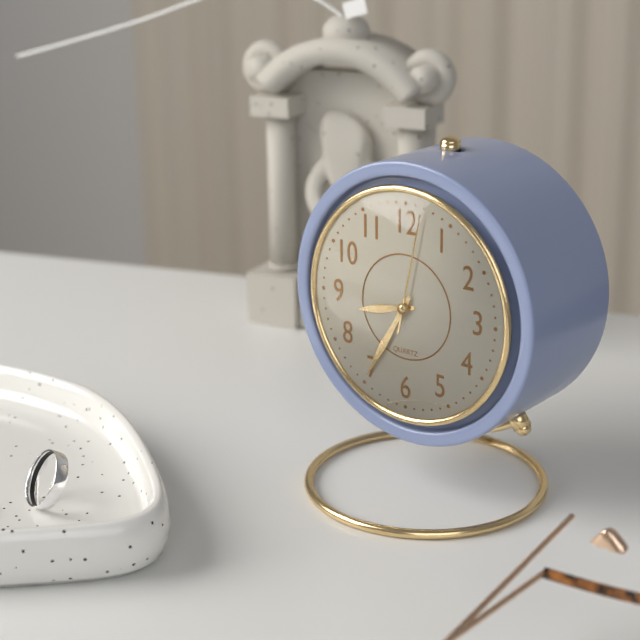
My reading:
h=8 m=35 s=2
